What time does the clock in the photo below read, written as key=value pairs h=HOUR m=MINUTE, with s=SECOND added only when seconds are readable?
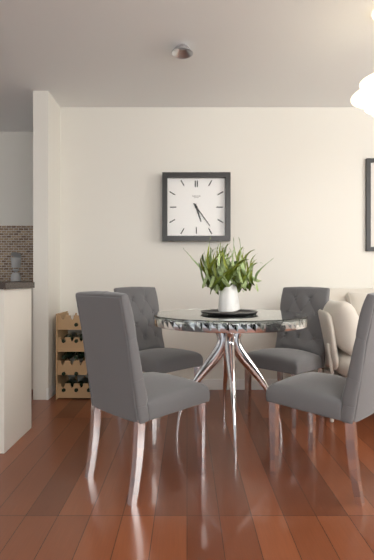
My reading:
h=5 m=24
